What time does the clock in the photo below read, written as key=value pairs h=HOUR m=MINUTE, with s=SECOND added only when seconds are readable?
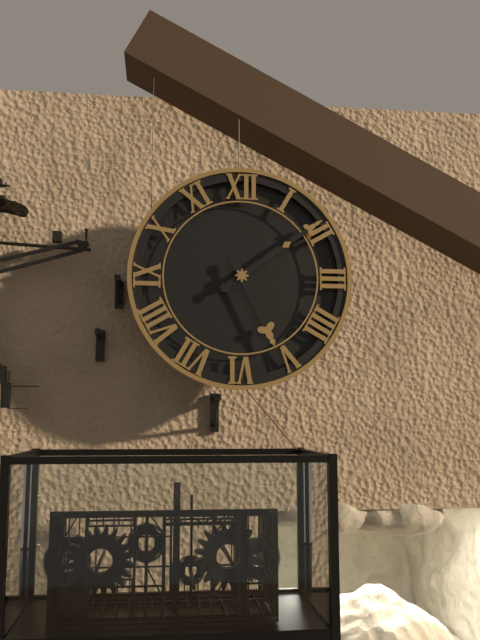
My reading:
h=5 m=9
